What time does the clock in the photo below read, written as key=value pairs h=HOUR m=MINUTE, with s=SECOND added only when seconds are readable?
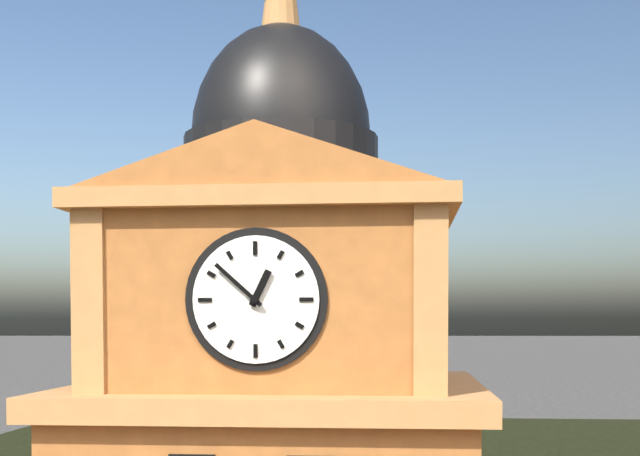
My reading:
h=12 m=52
